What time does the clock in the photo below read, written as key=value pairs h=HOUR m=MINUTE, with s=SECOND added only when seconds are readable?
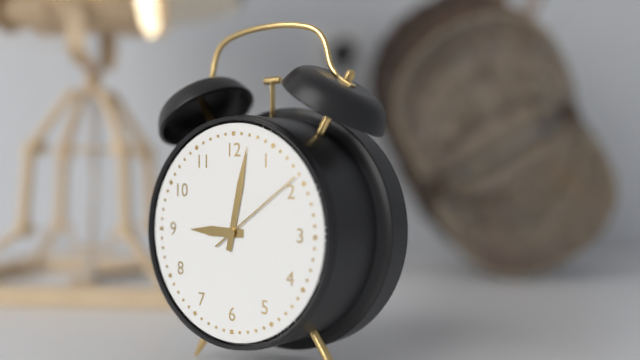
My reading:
h=9 m=2 s=9
